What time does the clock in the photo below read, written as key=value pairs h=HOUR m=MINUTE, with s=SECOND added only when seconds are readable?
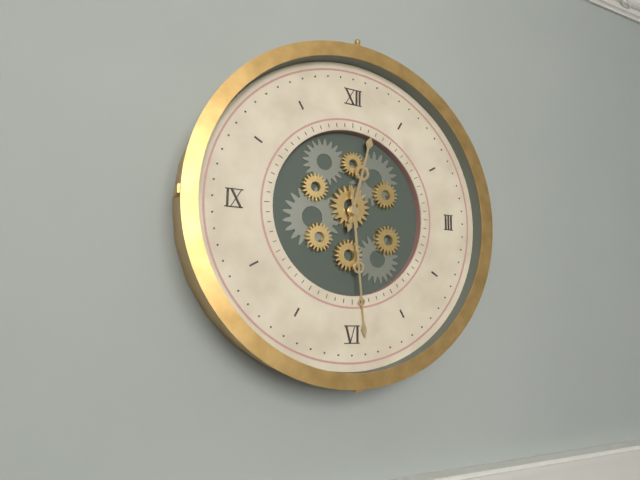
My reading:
h=12 m=29
